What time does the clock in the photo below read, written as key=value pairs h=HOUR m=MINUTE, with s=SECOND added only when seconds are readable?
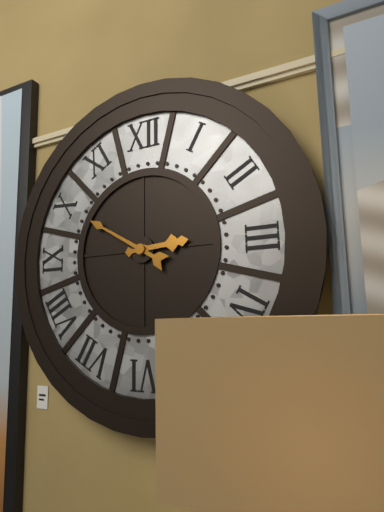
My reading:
h=2 m=50
